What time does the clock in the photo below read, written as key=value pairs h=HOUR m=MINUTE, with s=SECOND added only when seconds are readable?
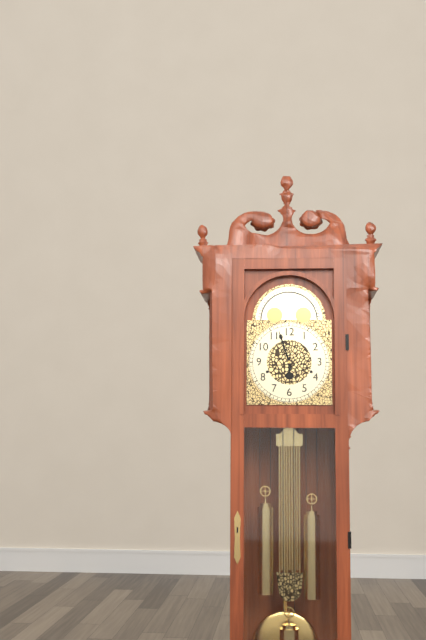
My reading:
h=5 m=57
